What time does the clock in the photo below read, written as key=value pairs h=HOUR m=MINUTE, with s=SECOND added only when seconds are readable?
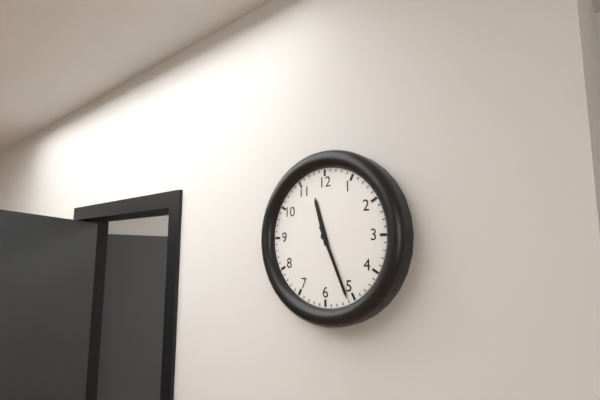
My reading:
h=11 m=26
